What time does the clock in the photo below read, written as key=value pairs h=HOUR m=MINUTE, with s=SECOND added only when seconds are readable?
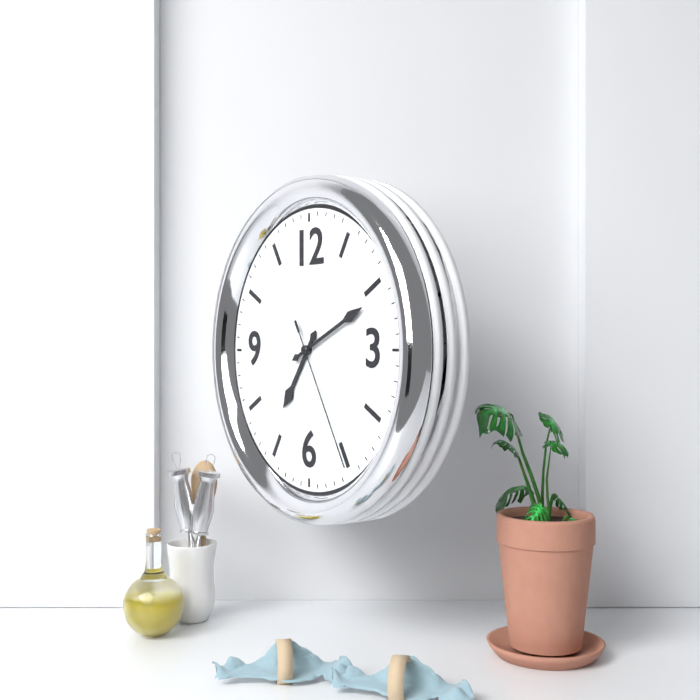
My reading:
h=7 m=11 s=25
